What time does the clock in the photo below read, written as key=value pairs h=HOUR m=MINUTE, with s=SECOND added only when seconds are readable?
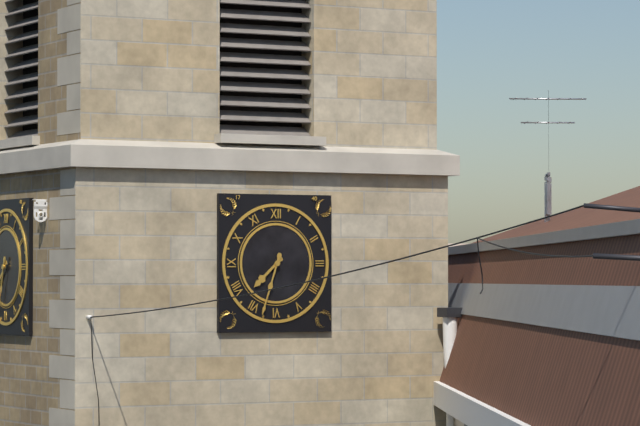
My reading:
h=7 m=33
